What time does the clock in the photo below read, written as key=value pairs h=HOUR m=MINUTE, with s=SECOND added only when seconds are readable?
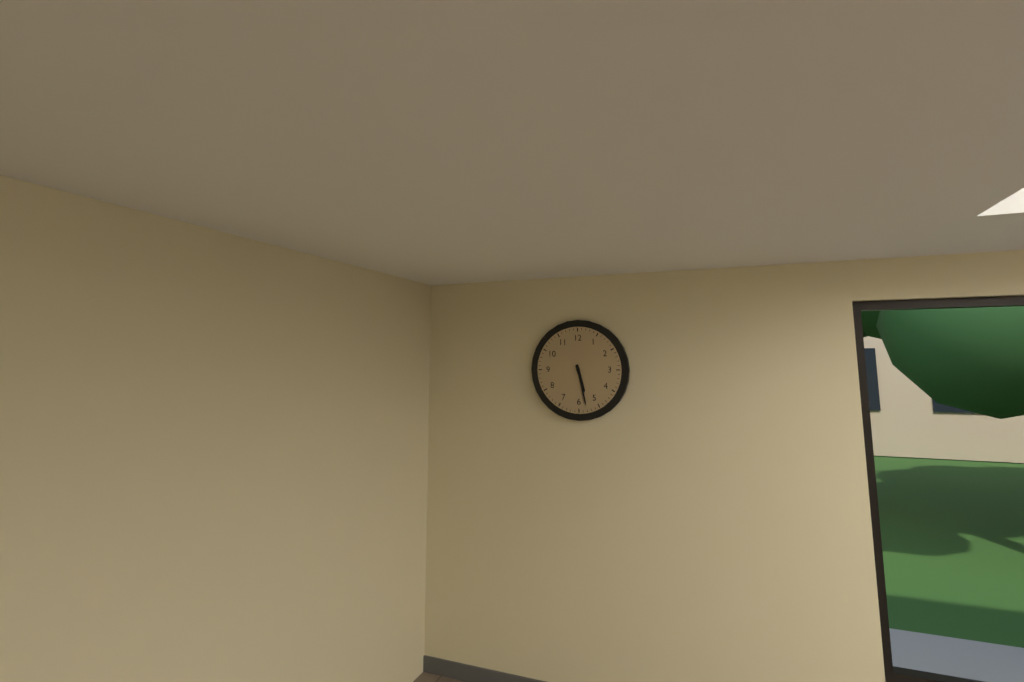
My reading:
h=5 m=28
